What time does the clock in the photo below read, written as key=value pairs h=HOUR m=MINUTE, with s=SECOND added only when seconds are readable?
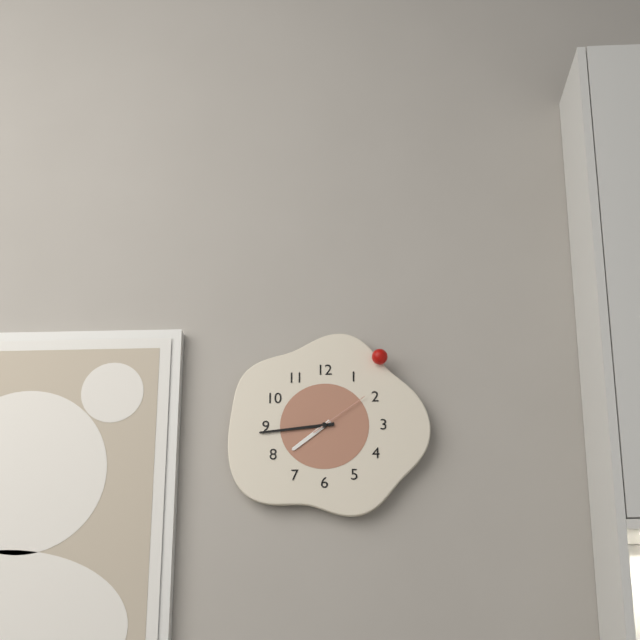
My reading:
h=7 m=44 s=9
